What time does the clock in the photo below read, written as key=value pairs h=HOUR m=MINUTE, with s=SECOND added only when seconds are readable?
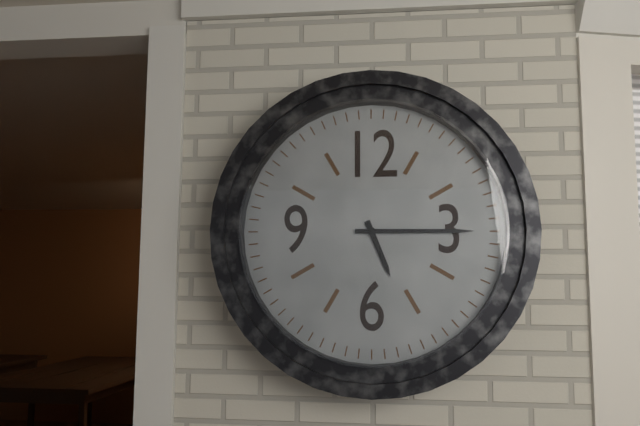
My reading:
h=5 m=15
